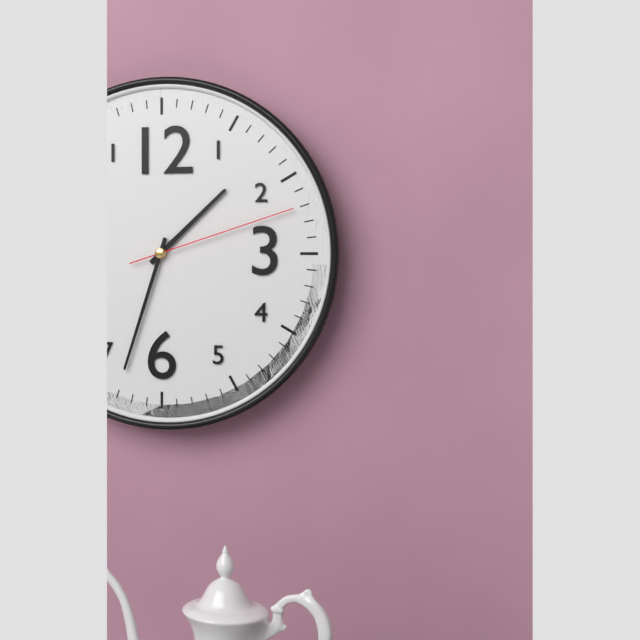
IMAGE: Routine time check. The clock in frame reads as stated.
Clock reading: 1:33:12
